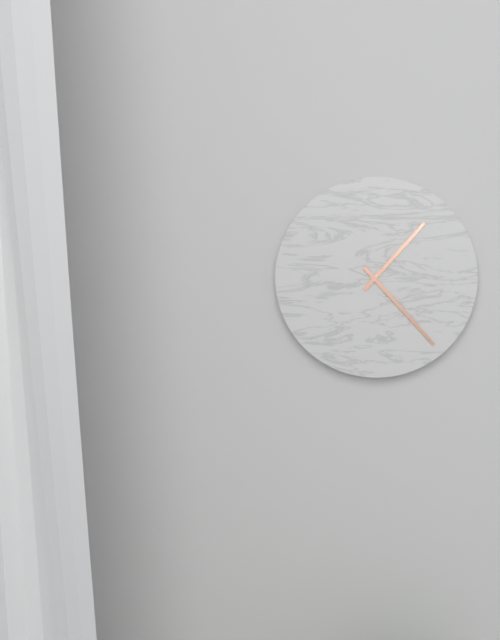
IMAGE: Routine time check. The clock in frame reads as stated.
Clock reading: 1:23
